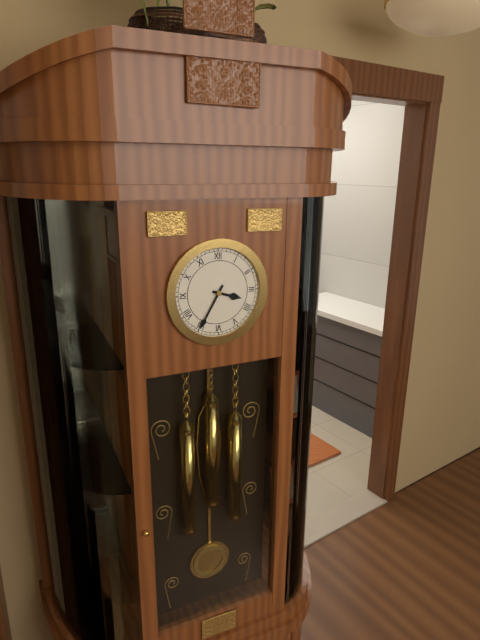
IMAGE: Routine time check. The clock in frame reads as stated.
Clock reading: 3:35
